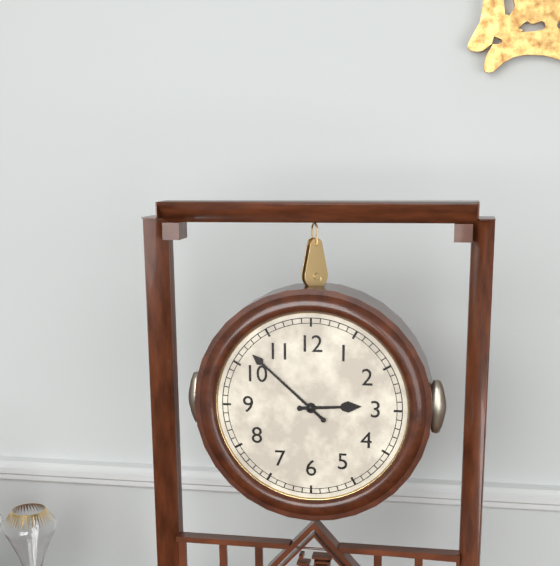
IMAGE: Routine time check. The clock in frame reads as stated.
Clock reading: 2:52
